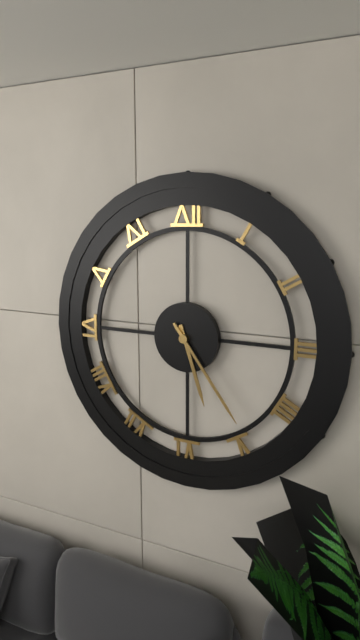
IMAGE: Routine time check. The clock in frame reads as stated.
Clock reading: 5:24
